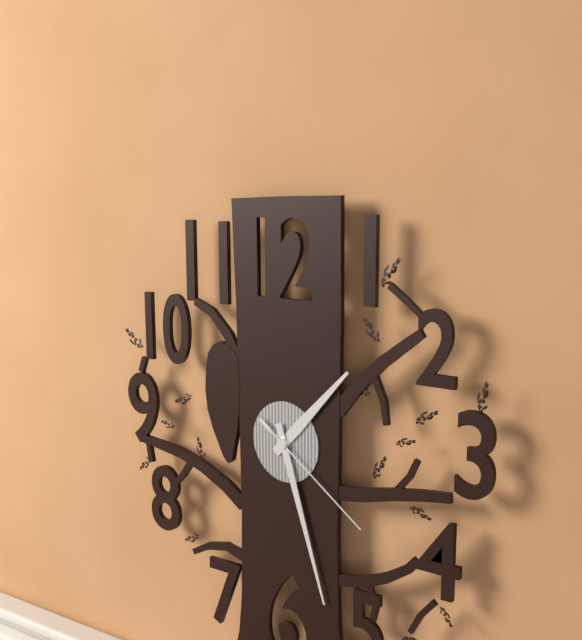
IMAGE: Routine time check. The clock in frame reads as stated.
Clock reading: 1:27:21
